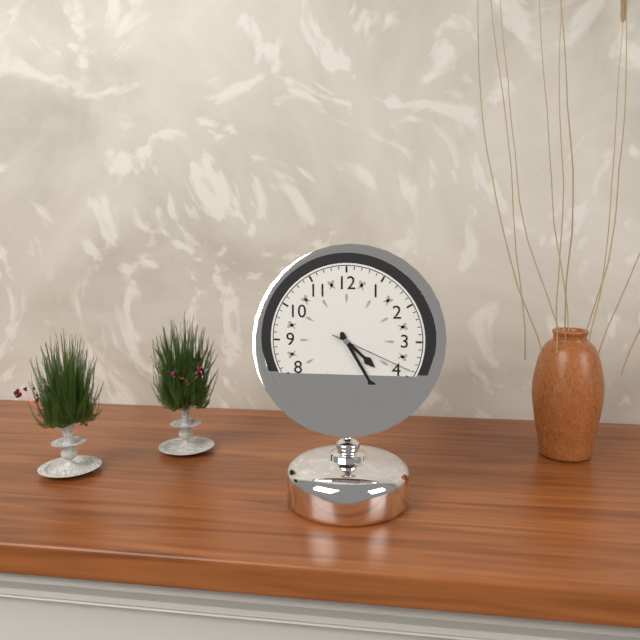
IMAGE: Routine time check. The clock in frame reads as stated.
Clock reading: 4:25:19
